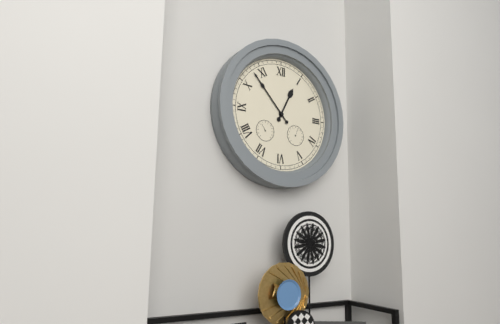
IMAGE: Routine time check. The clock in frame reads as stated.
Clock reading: 12:53
